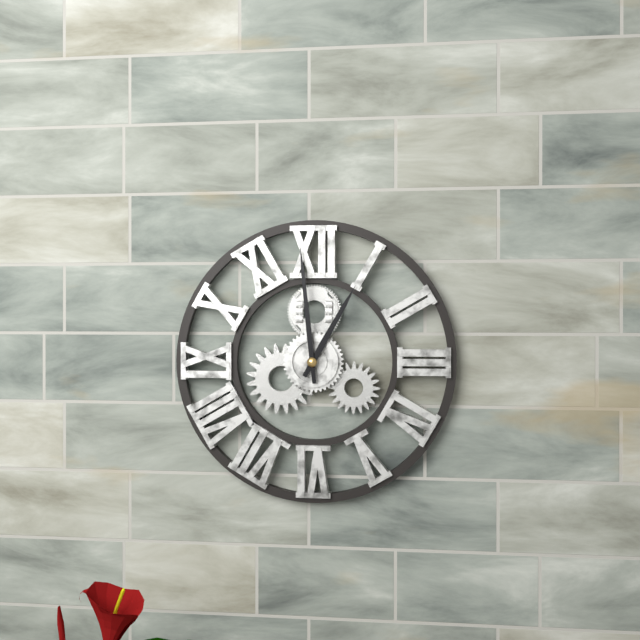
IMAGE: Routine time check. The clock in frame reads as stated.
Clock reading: 12:59
